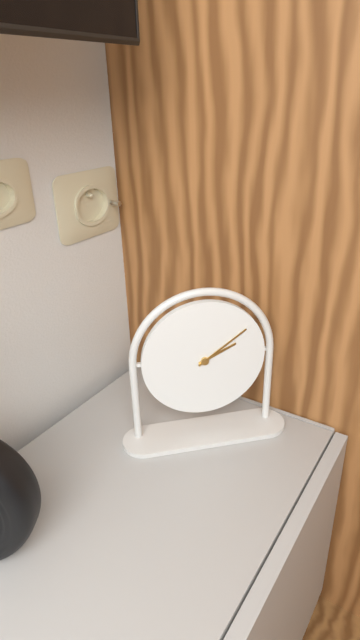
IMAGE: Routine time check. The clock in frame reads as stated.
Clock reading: 2:09
